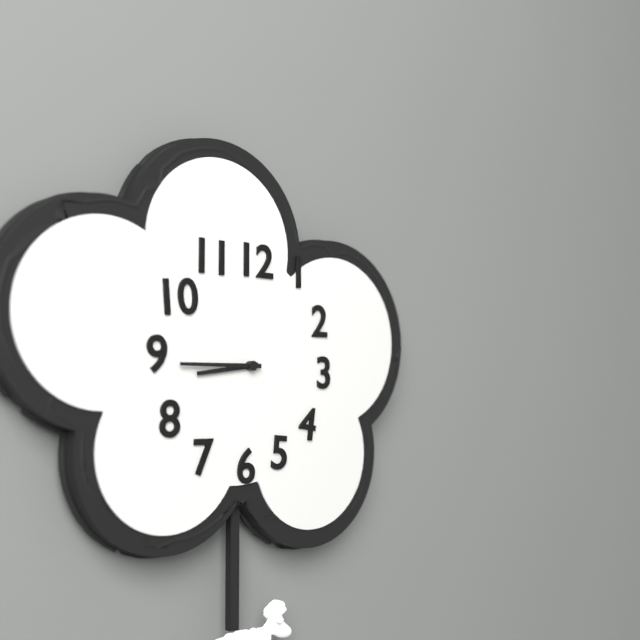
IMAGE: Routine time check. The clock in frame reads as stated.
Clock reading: 8:45
